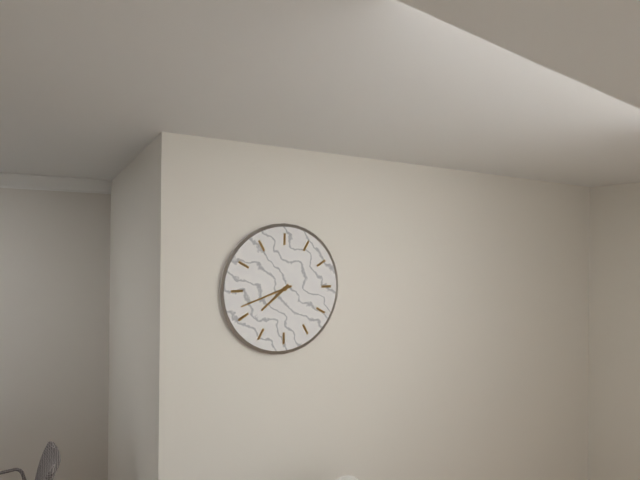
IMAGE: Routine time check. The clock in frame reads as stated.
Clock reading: 7:42
